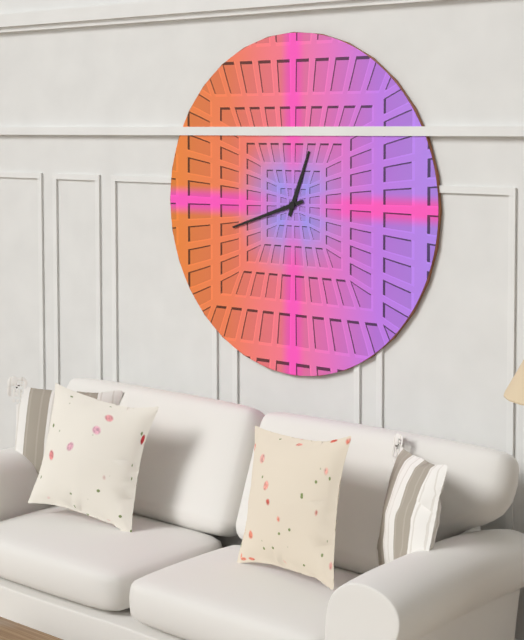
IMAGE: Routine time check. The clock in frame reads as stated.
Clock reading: 12:42
